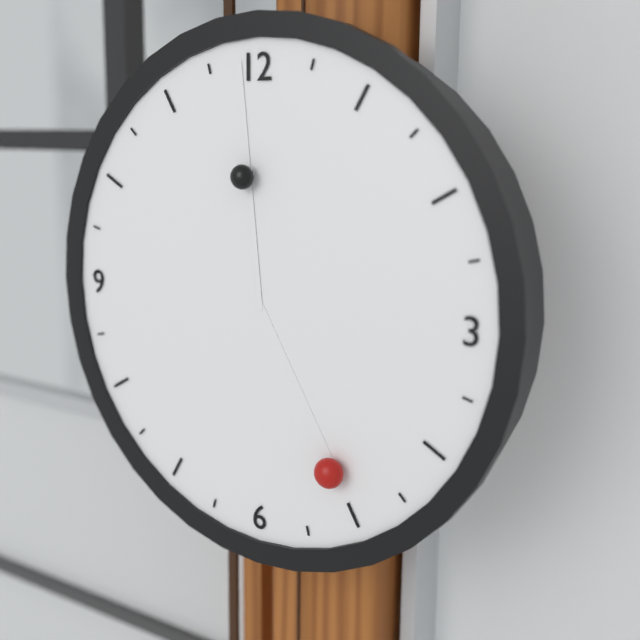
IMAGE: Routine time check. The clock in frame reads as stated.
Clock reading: 4:59
